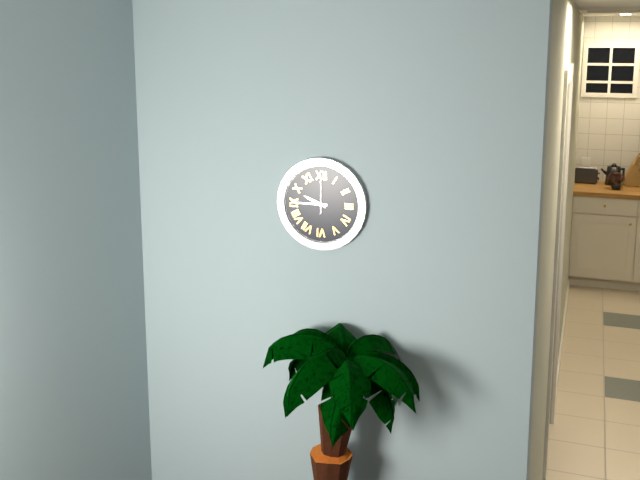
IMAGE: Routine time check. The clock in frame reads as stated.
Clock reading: 9:45
